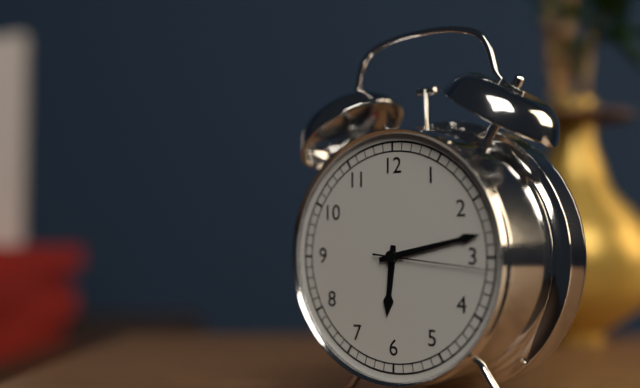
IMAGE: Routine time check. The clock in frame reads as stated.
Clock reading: 6:13:16
